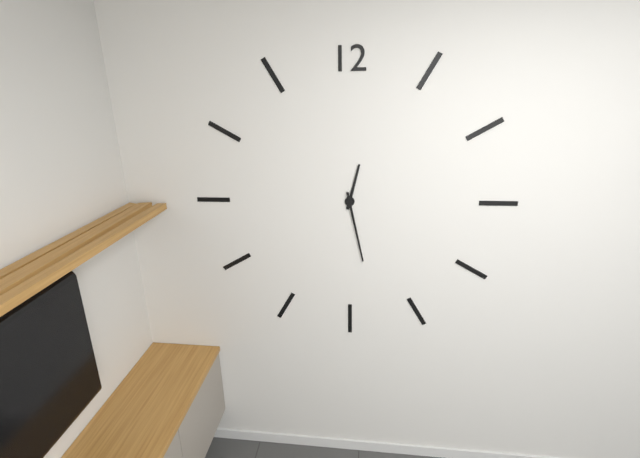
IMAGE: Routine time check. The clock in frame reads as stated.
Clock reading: 12:28
